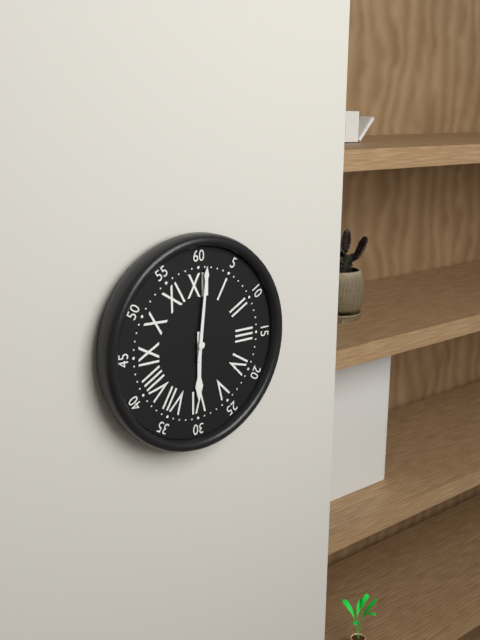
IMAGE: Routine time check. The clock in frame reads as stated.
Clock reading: 6:01
